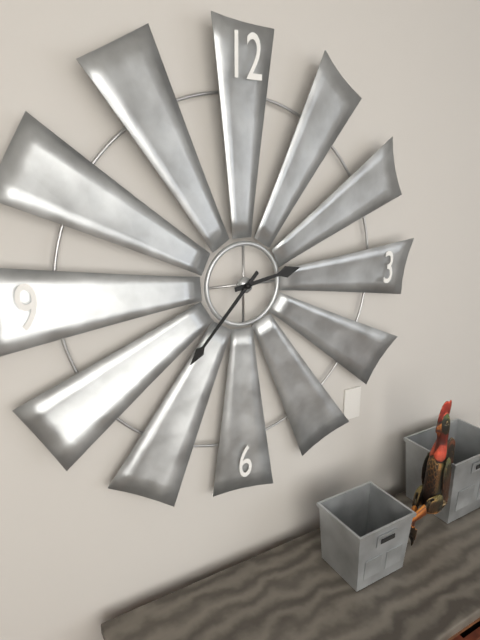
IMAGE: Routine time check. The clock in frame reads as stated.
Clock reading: 2:37
